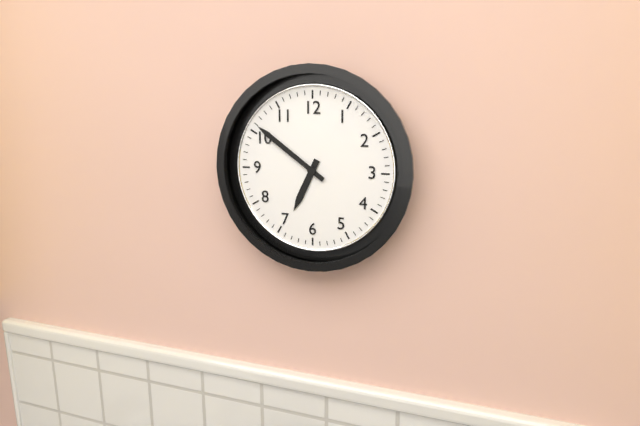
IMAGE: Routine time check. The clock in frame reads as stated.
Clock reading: 6:51
